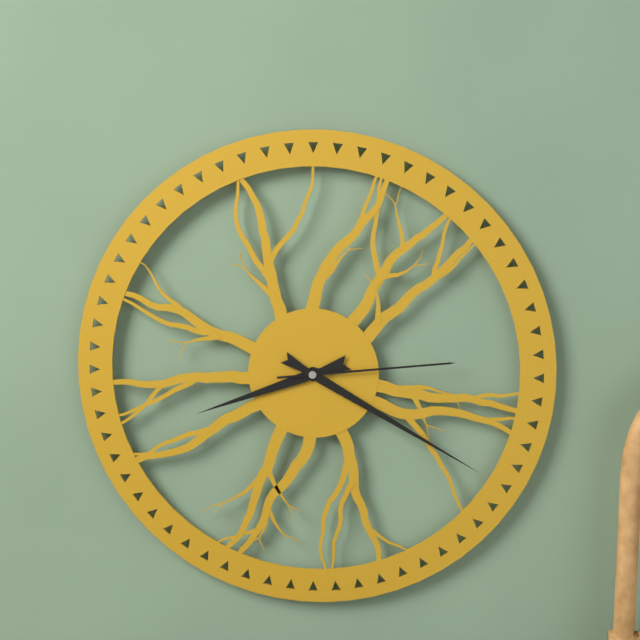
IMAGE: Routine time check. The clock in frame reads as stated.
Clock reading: 8:20:14
